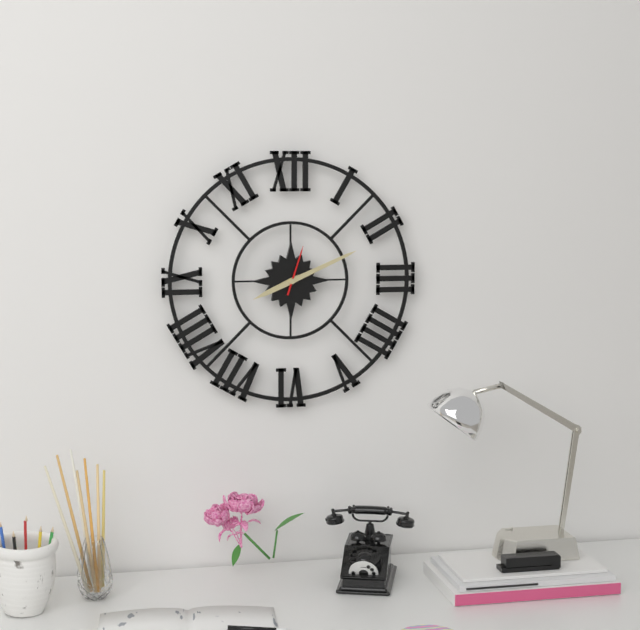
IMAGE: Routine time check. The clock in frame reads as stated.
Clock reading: 8:11
